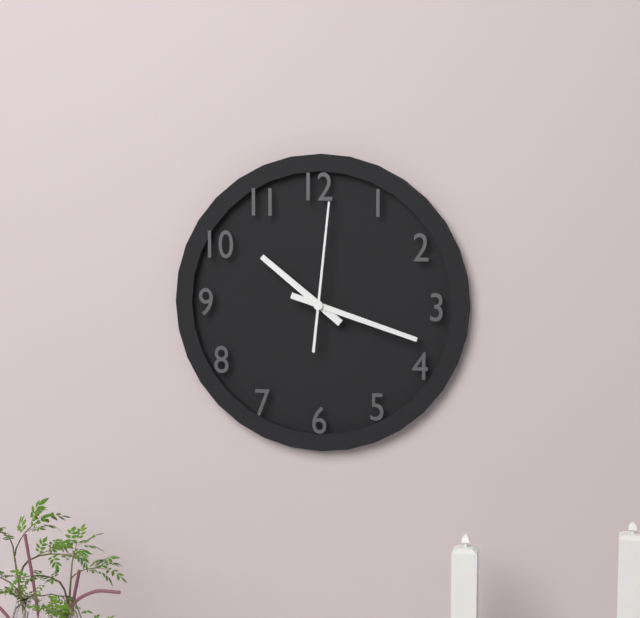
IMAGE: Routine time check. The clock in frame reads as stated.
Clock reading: 10:18:01
